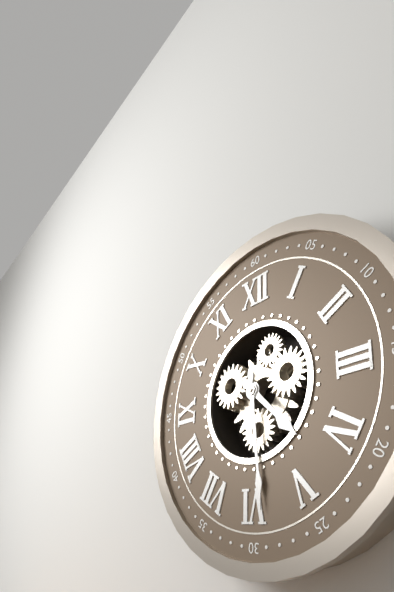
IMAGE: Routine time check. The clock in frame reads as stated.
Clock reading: 4:29
